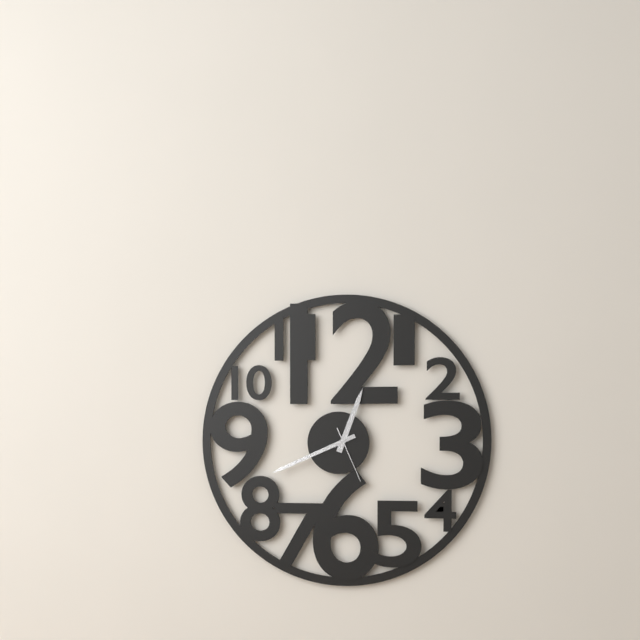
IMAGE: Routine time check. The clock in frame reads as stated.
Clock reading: 12:41:26
